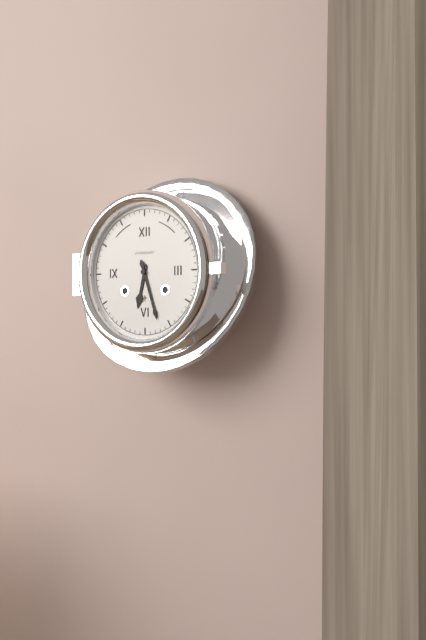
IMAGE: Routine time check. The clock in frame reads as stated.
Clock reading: 6:27
